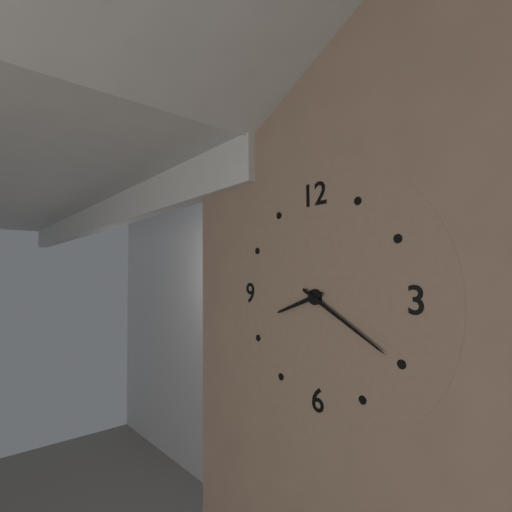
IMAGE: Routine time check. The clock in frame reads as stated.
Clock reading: 8:20
